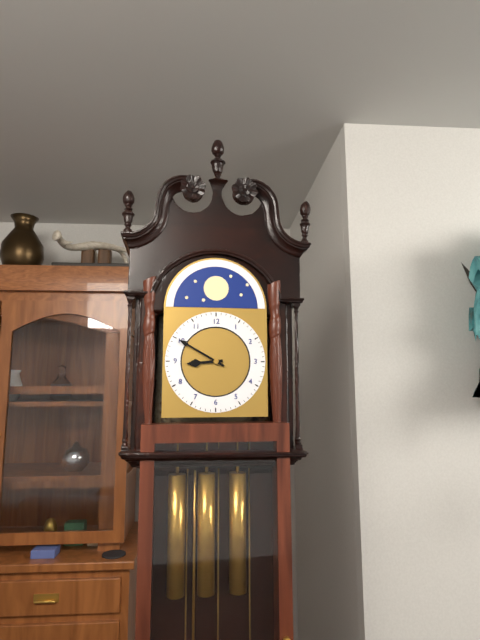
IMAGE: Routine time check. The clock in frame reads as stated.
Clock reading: 8:50
